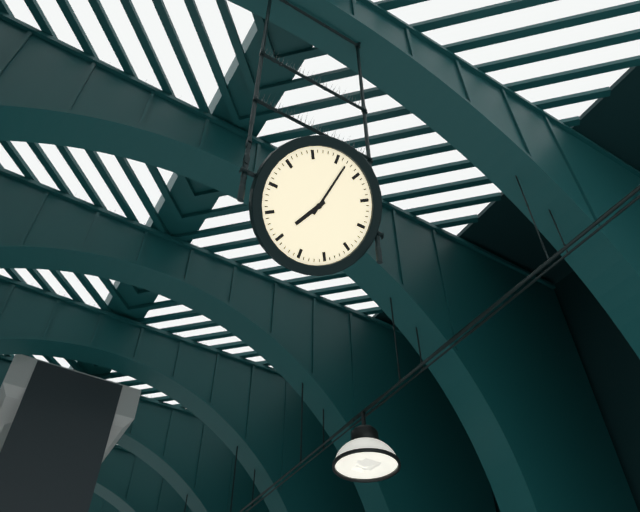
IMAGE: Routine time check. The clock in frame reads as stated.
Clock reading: 7:02
